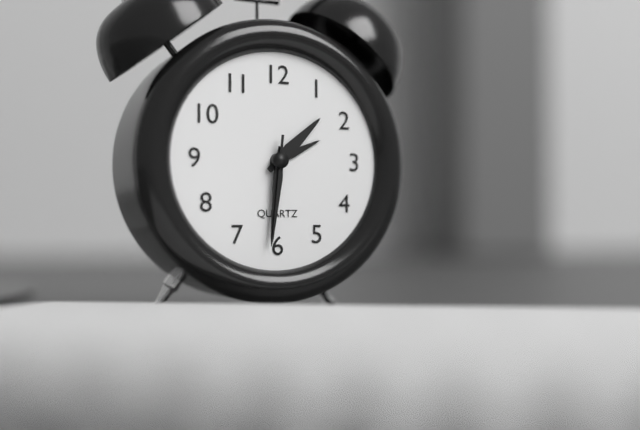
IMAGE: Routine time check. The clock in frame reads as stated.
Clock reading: 1:31:31
